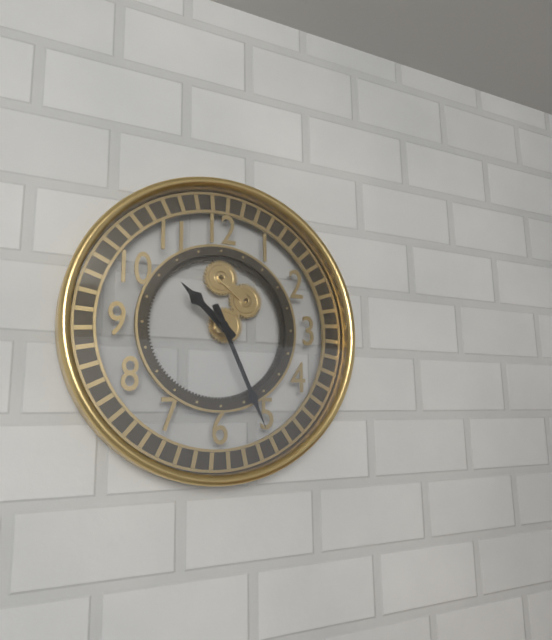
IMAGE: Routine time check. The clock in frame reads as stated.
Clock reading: 10:26
